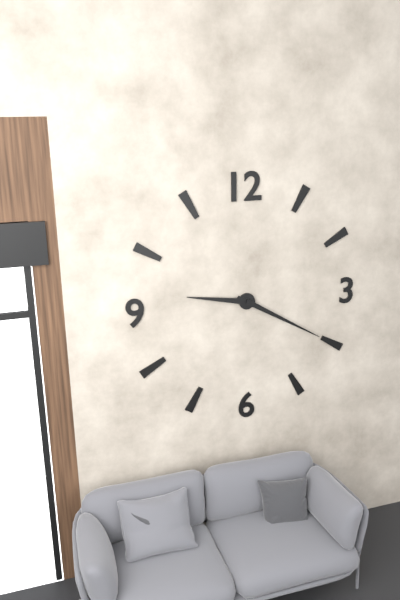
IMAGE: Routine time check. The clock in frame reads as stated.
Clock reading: 9:20
